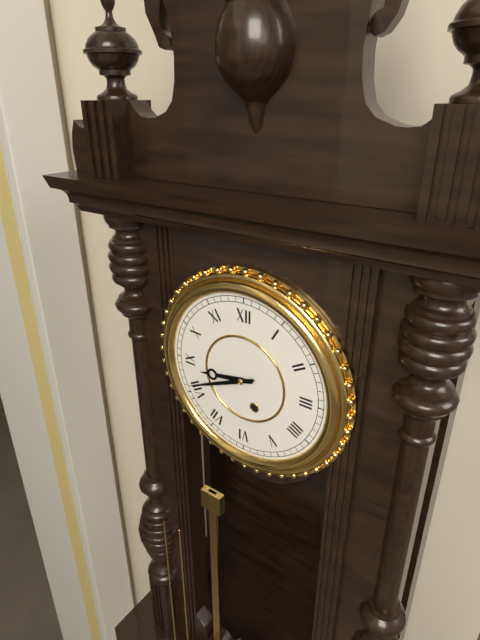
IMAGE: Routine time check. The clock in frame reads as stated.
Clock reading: 8:41
